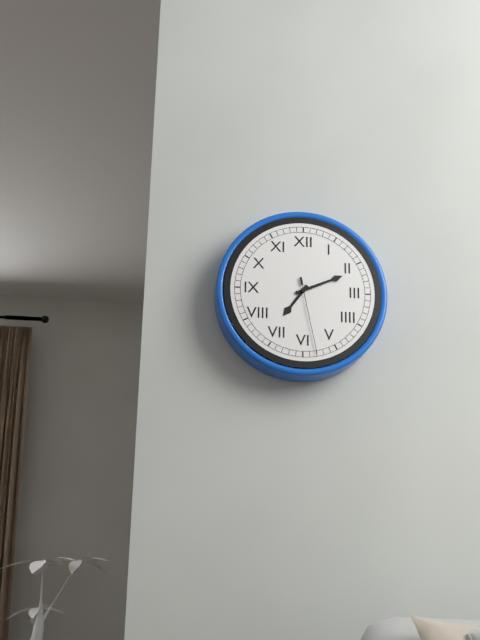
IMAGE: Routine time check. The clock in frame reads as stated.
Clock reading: 7:11:28
